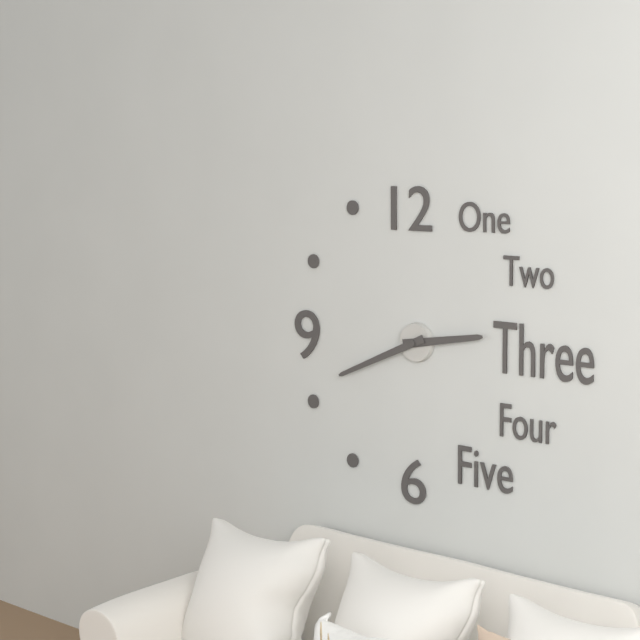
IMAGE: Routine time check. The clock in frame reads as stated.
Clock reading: 2:41
